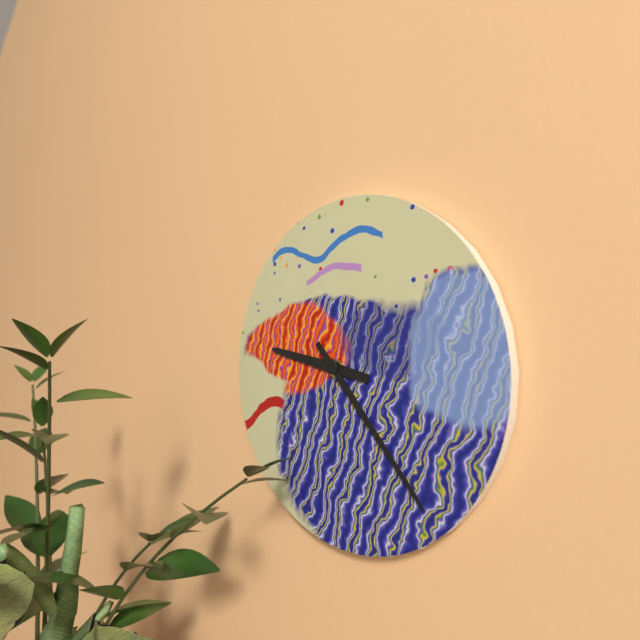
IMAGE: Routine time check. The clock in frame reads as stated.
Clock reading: 9:23
